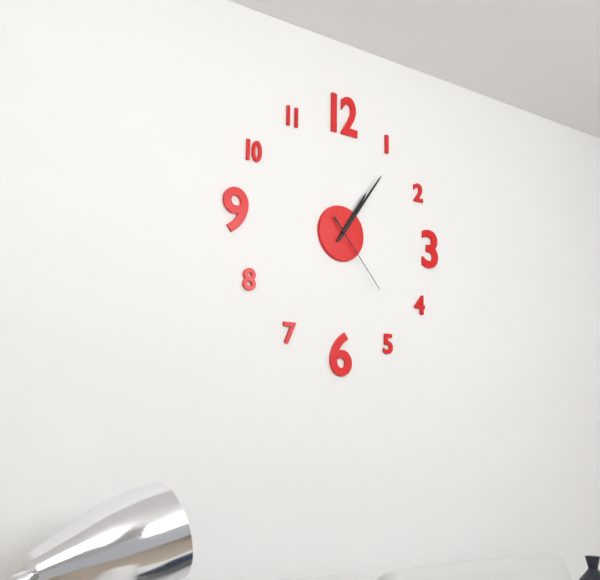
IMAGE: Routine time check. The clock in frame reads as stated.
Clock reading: 1:06:23
